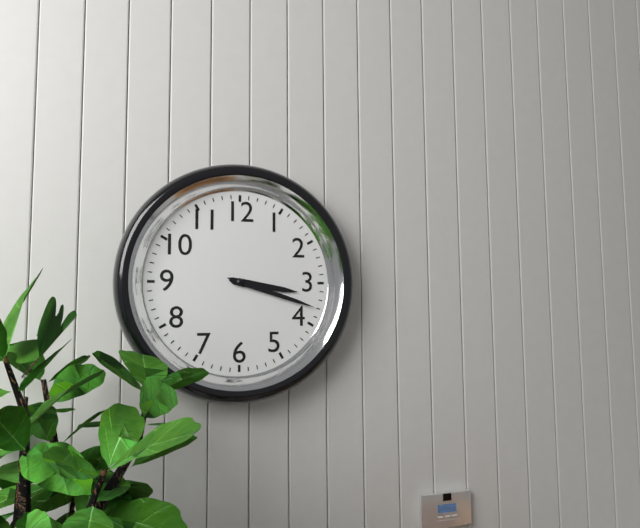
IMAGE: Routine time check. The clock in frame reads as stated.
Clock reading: 3:18
